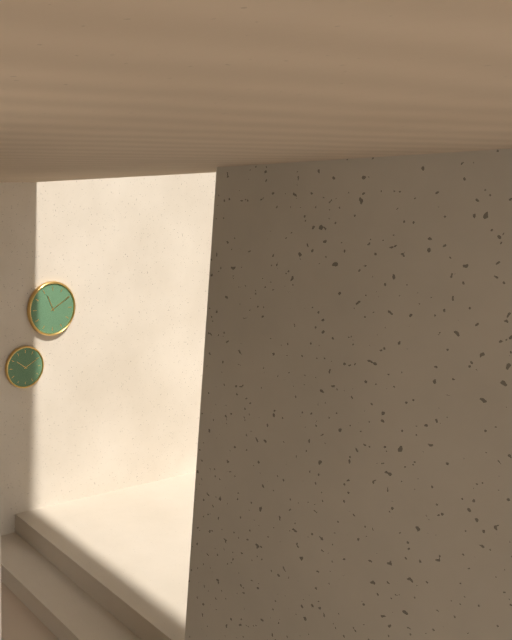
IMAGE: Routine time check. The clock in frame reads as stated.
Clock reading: 11:10
